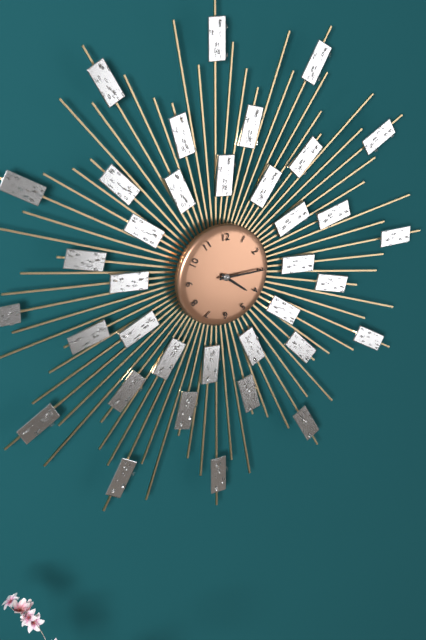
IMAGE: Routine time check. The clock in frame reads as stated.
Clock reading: 4:15
